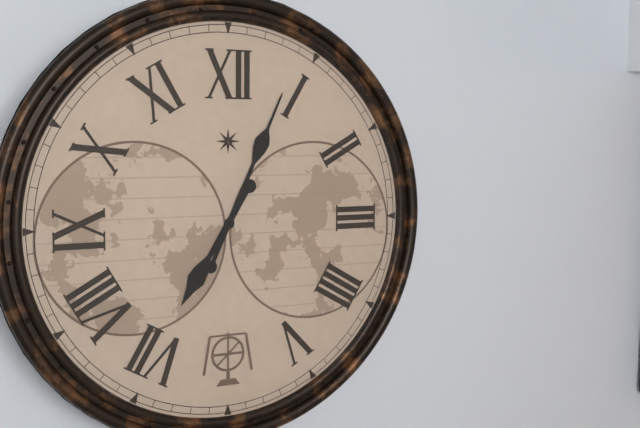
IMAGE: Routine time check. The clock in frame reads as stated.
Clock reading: 7:04
